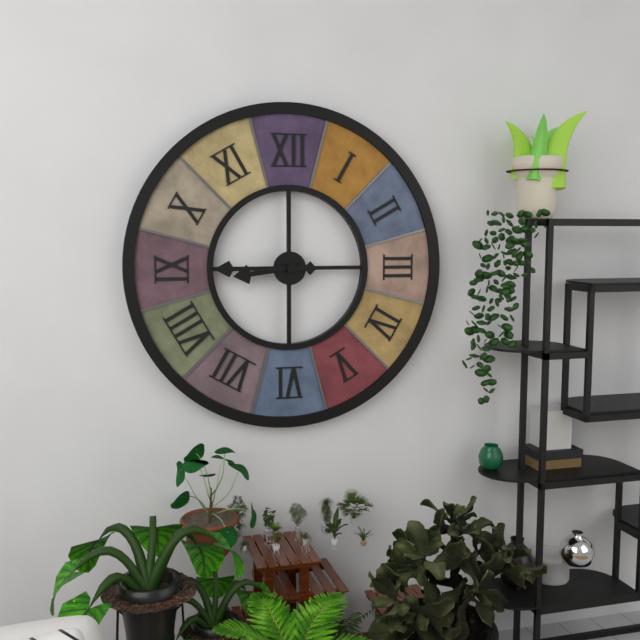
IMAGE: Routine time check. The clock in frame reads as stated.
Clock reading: 8:45
